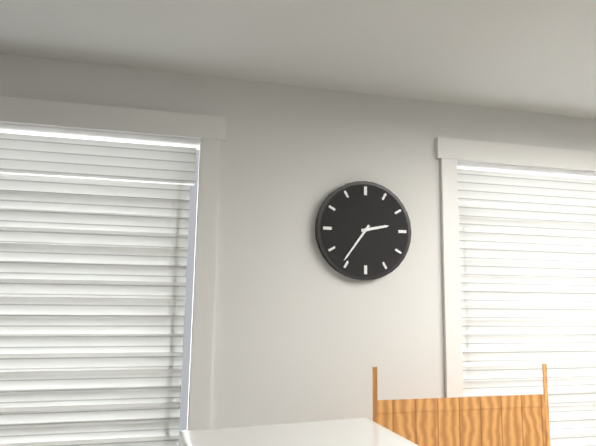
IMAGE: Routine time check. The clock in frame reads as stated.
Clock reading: 2:36
